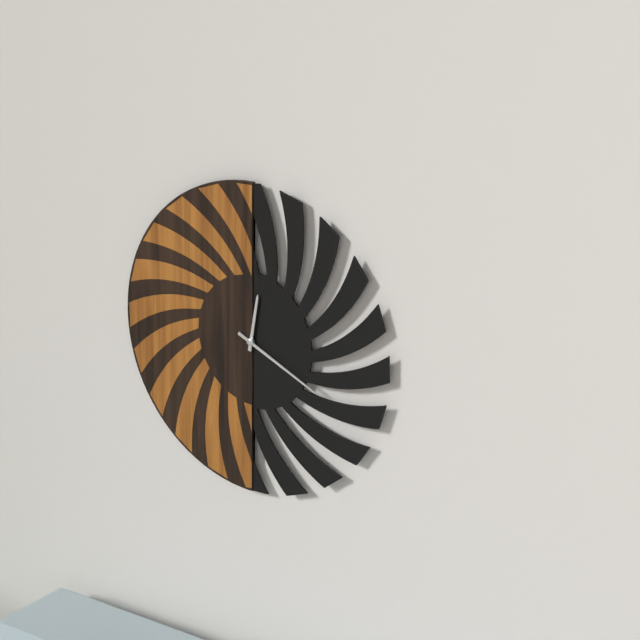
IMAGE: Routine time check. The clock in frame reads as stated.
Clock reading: 12:19
